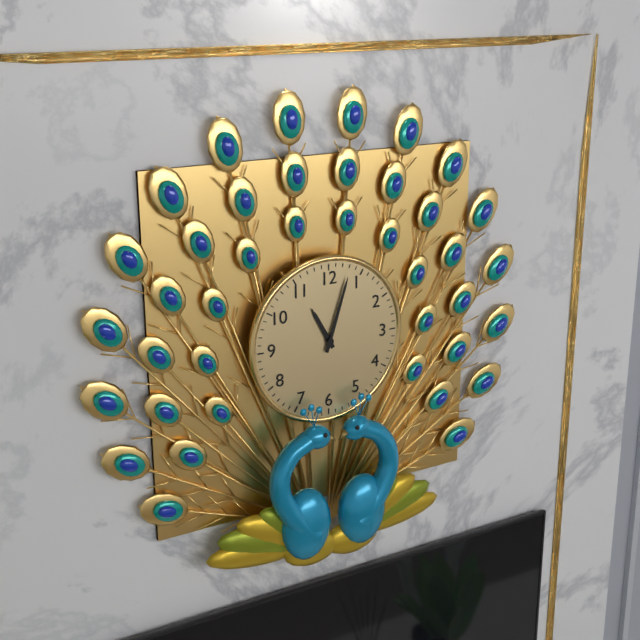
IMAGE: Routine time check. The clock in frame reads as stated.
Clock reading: 11:03
